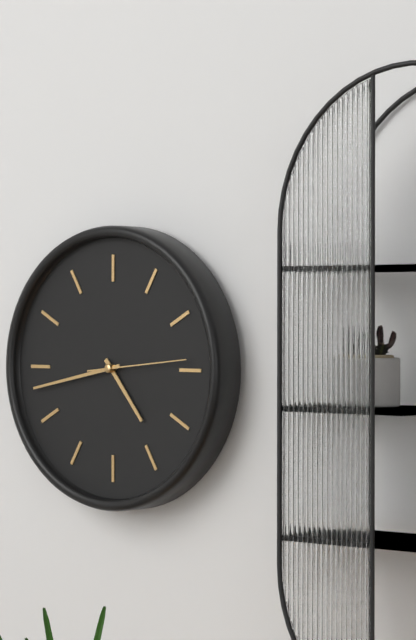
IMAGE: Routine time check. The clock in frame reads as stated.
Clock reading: 4:43:14
